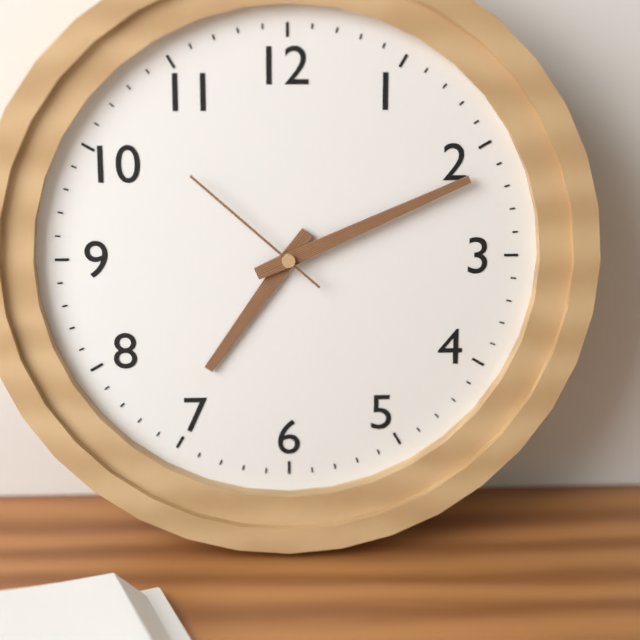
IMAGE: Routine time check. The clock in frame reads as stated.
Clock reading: 7:11:52
